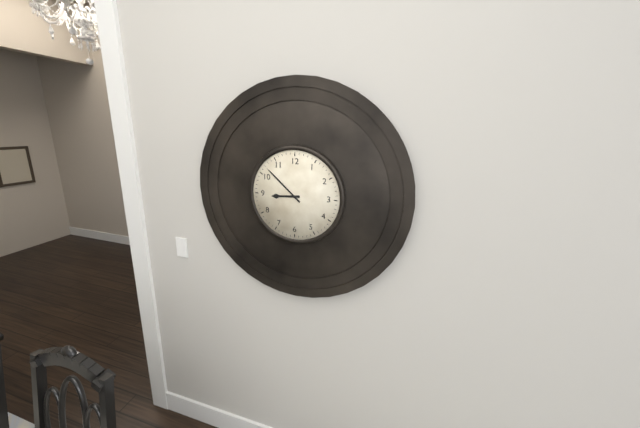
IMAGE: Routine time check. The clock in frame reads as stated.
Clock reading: 8:52
